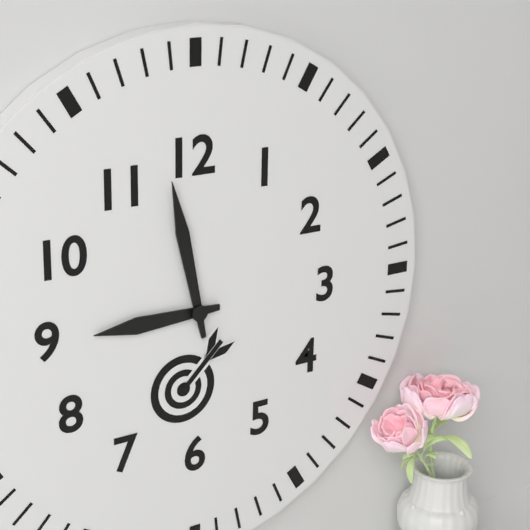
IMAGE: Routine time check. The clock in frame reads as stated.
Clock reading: 8:58
